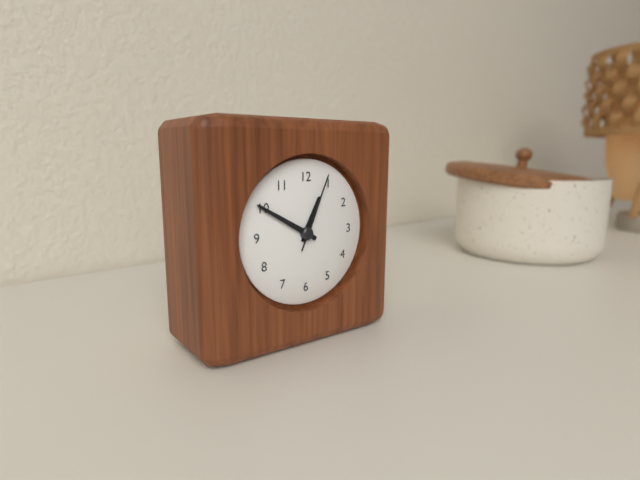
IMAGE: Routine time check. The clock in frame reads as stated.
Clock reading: 12:50:04
